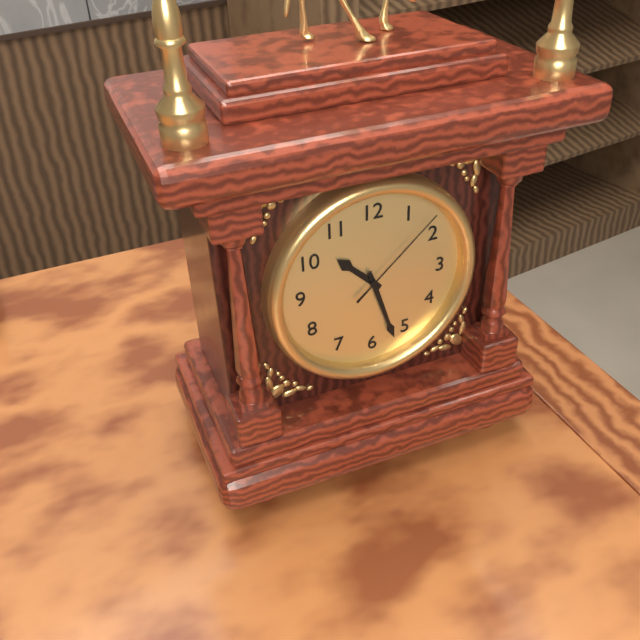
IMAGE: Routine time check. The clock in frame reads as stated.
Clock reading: 10:27:08
